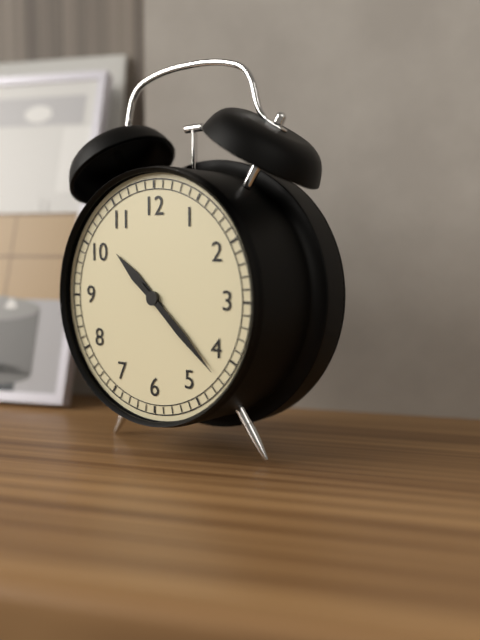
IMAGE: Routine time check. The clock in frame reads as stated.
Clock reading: 10:22
